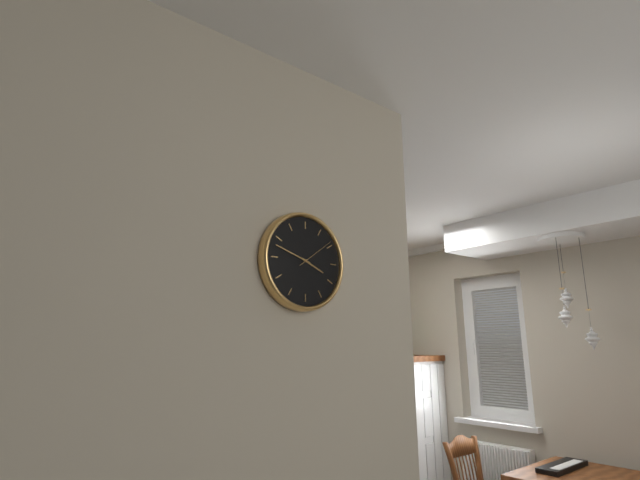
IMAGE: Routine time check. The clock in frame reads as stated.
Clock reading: 3:48
